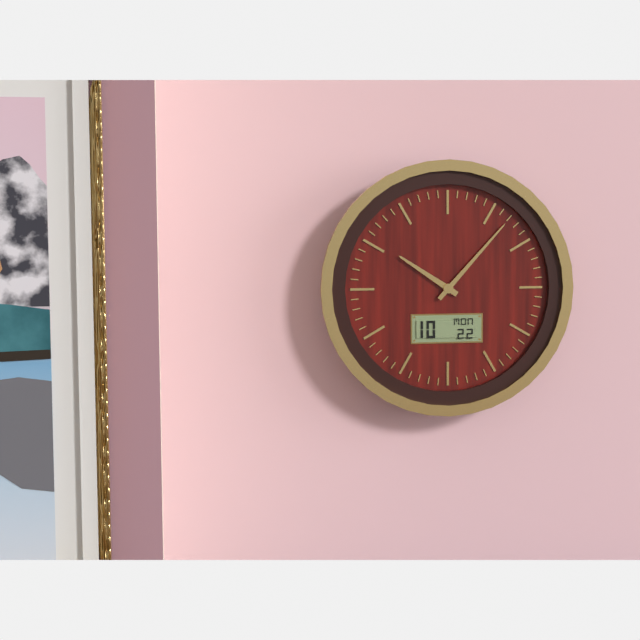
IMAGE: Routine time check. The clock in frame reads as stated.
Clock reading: 10:07
